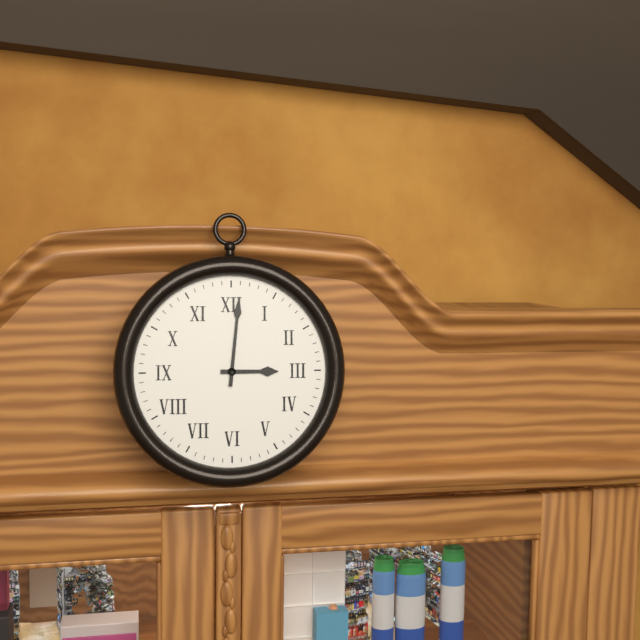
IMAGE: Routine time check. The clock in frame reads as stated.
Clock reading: 3:01
